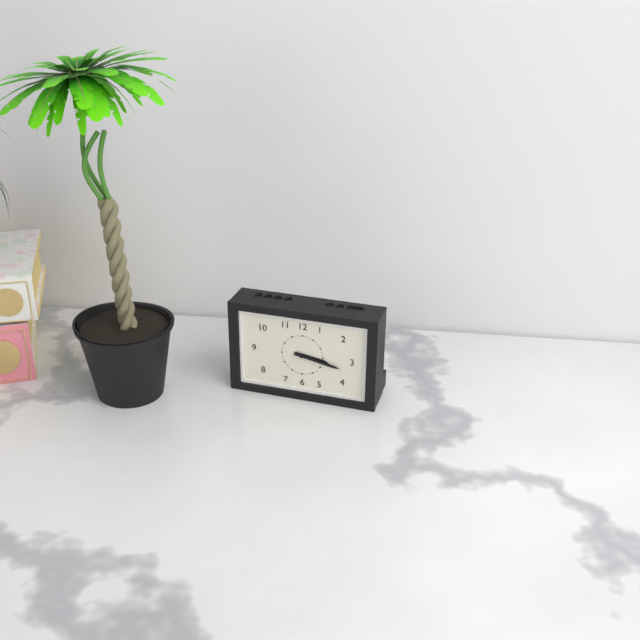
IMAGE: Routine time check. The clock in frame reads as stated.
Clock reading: 3:17
